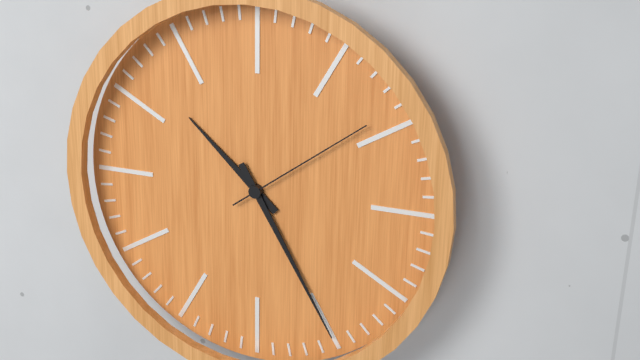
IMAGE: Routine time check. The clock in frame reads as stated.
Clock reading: 10:25:09
